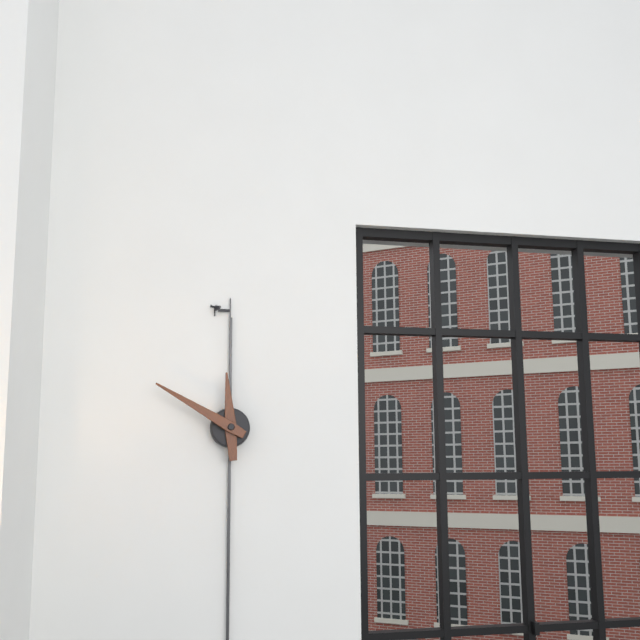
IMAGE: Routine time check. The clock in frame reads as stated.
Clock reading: 11:50
